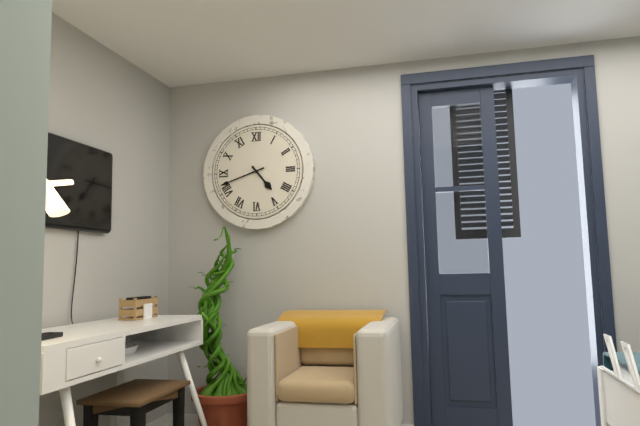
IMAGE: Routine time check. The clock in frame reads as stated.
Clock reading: 4:42
